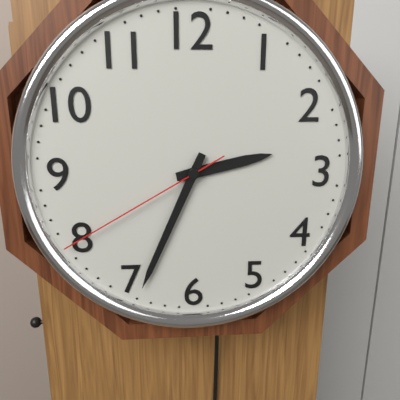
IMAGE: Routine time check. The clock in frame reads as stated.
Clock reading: 2:34:40
